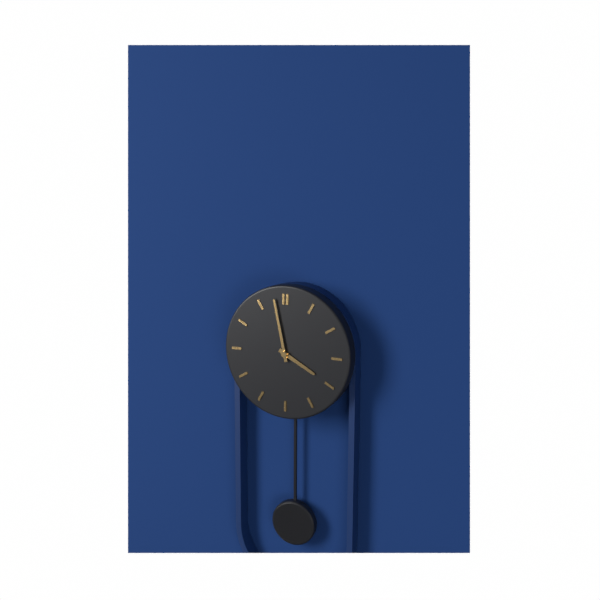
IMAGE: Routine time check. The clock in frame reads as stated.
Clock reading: 3:58
